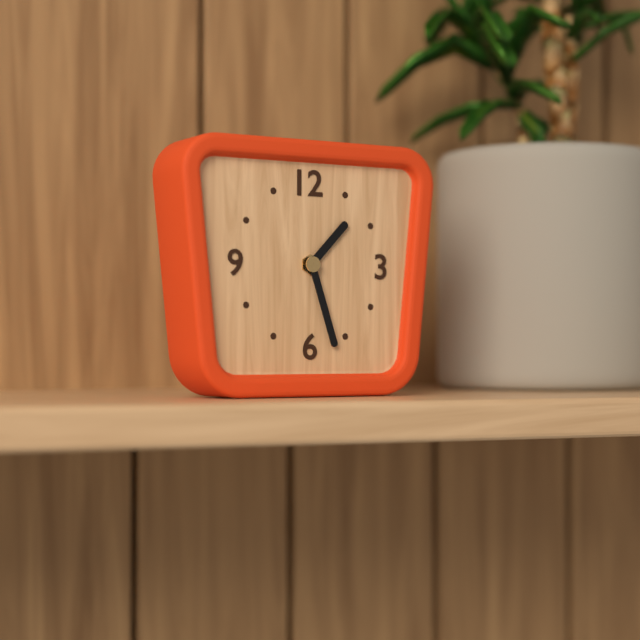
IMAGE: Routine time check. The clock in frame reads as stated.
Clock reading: 1:27
